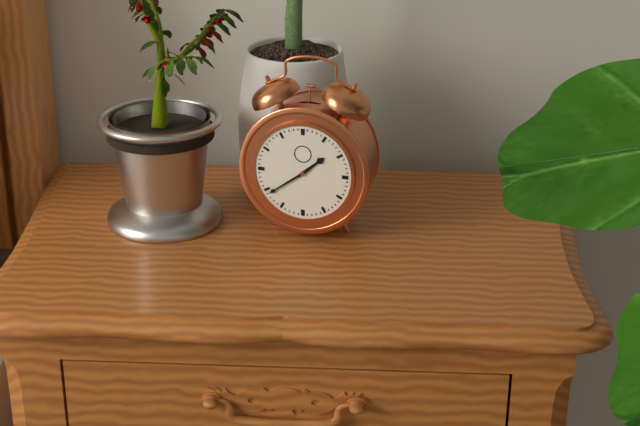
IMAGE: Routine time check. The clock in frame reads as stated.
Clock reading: 1:39
